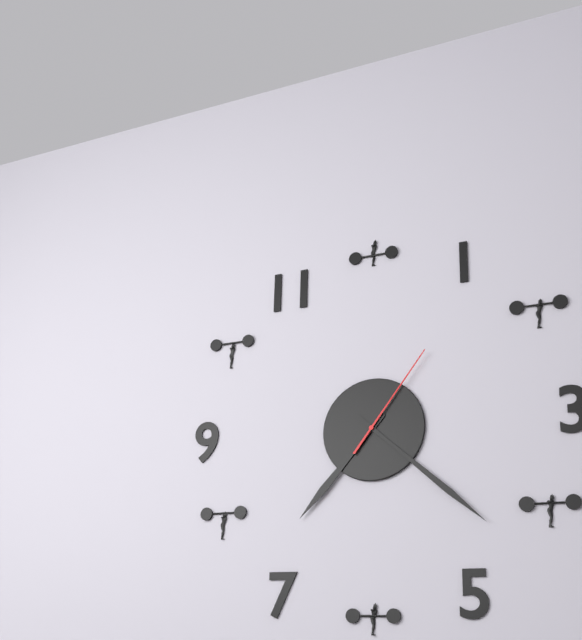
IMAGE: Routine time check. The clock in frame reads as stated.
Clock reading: 7:22:06
